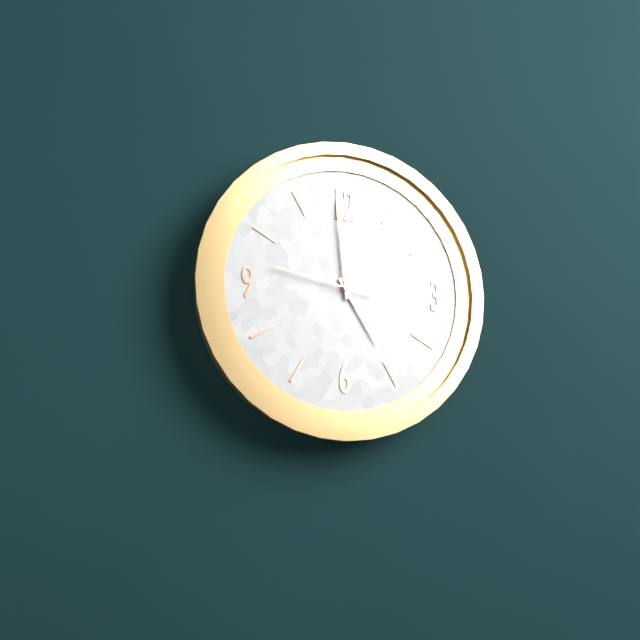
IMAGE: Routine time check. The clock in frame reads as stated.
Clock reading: 4:59:47
